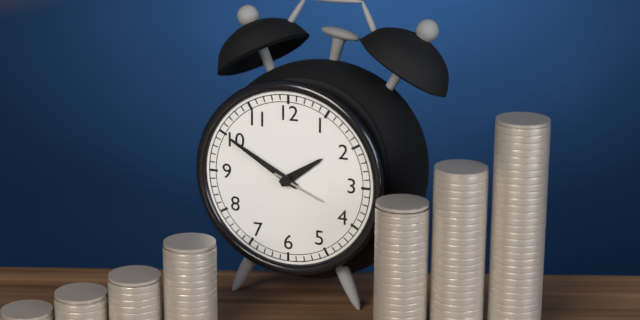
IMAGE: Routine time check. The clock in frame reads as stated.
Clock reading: 1:50:19
